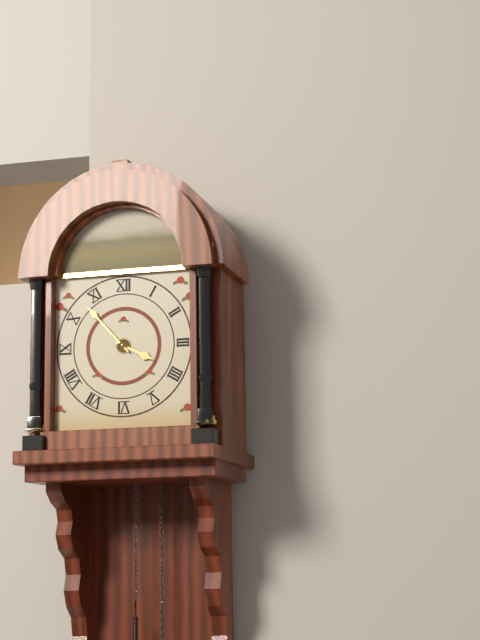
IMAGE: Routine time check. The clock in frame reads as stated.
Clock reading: 3:53
